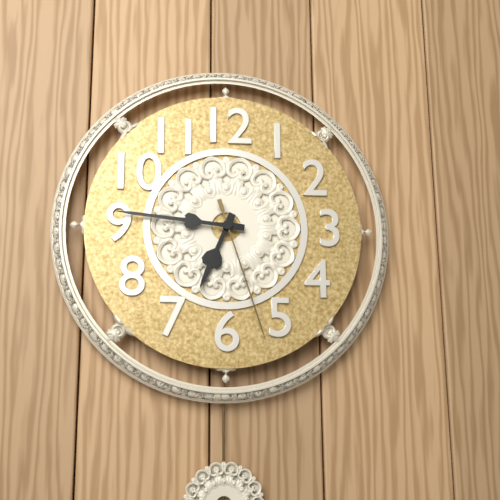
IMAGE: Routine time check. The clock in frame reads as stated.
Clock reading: 6:46:27
